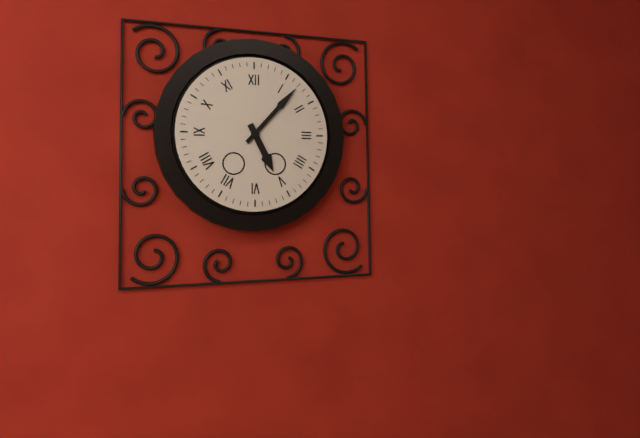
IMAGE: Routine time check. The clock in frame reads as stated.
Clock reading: 5:07
